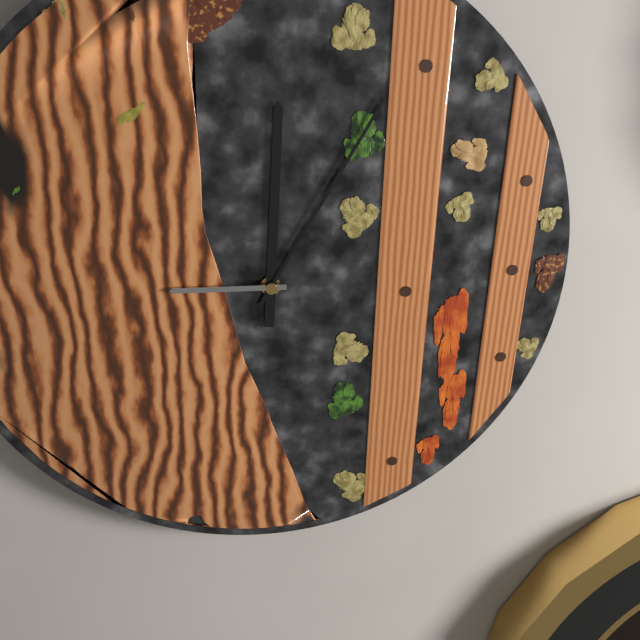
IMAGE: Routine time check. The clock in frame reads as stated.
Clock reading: 12:05:45
